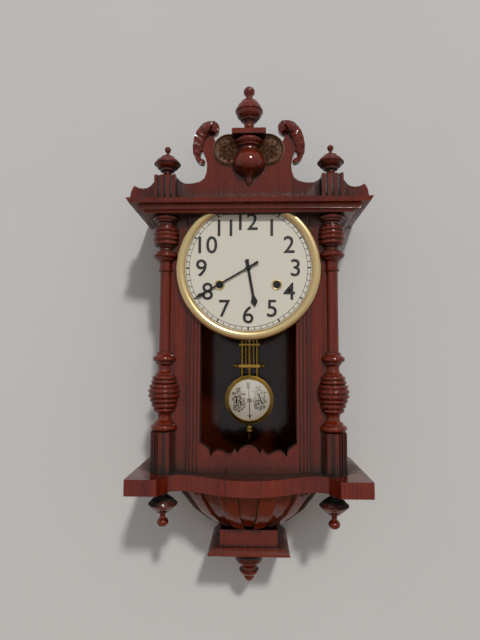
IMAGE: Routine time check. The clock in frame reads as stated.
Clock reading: 5:40
